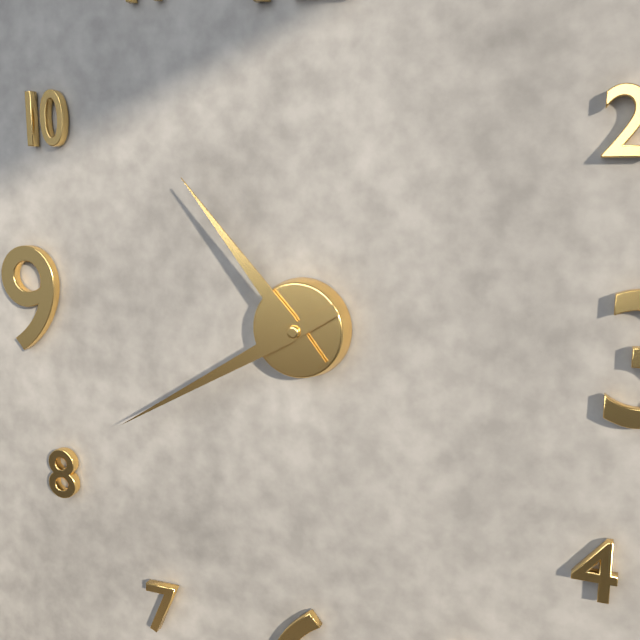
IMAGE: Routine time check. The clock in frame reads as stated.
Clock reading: 10:40
